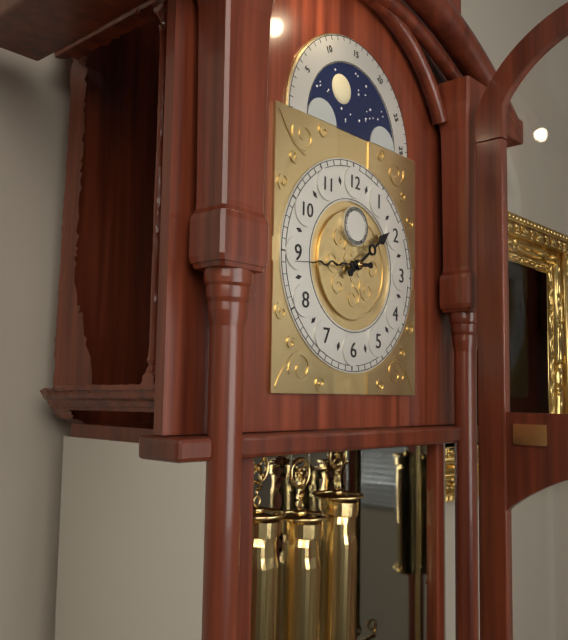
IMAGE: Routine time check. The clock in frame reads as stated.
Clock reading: 1:44
